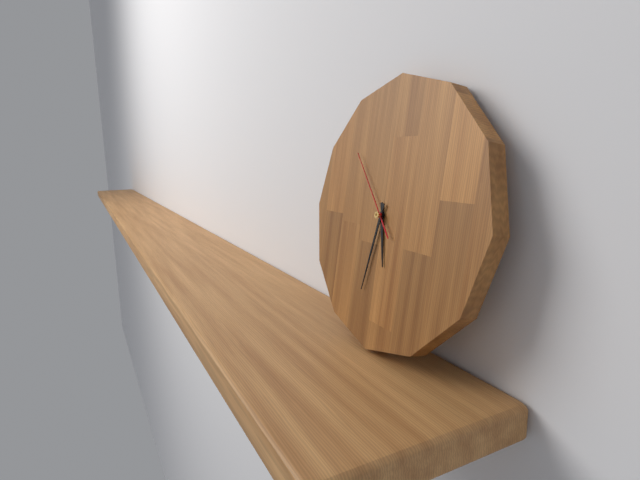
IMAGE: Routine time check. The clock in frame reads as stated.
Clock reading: 5:32:53
